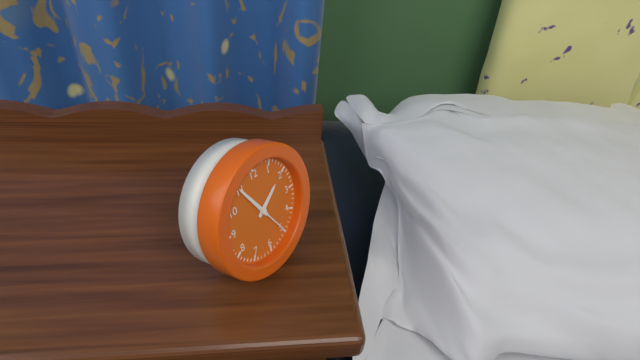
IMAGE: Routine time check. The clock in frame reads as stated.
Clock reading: 1:55
